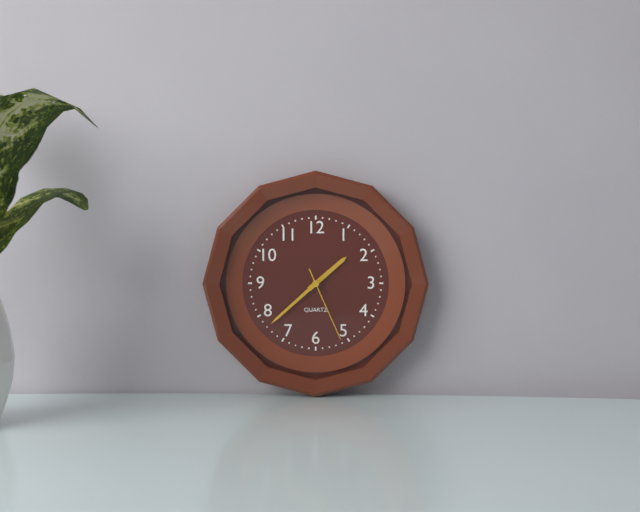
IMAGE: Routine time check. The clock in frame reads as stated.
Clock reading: 1:38:26
